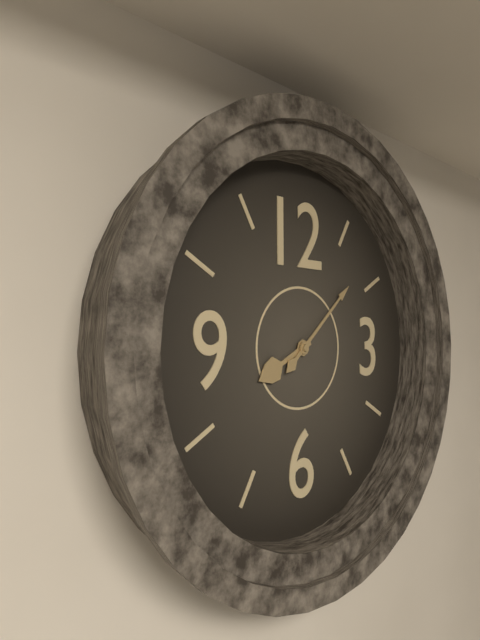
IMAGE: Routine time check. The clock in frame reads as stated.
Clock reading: 8:08
